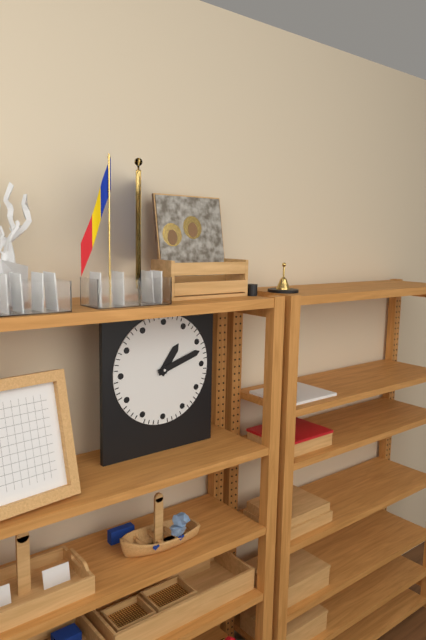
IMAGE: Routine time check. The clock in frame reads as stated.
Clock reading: 1:12
